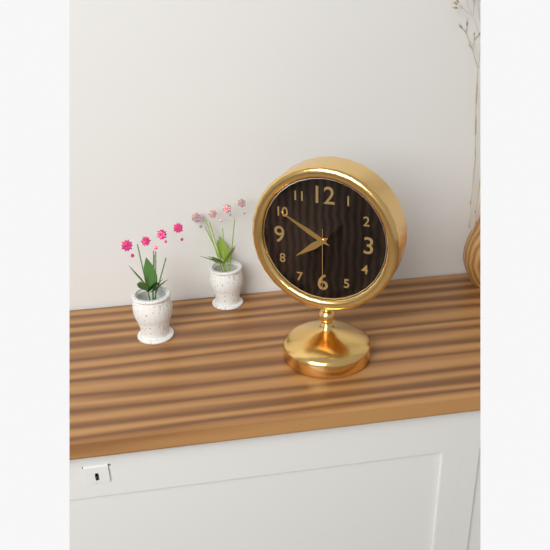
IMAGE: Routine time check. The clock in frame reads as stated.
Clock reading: 7:50:30
